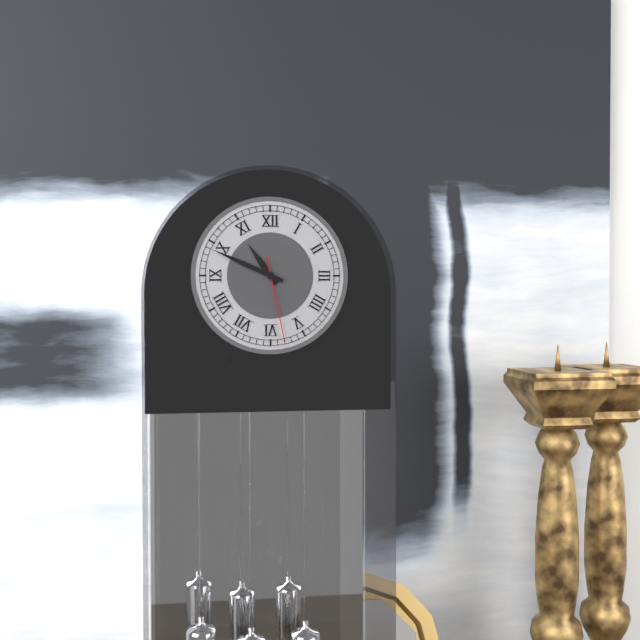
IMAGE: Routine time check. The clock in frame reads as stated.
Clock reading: 10:49:28
